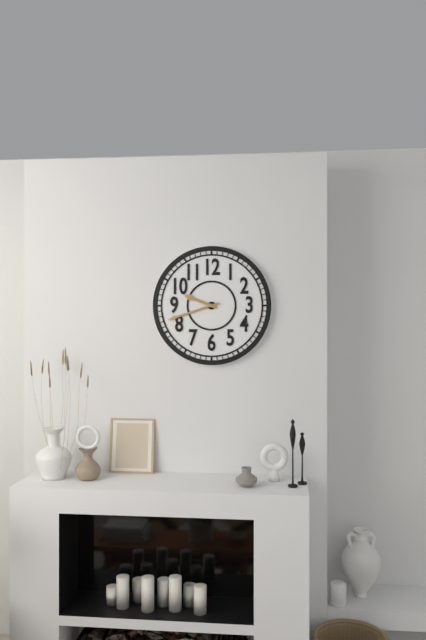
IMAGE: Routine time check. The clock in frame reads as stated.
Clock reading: 9:42
